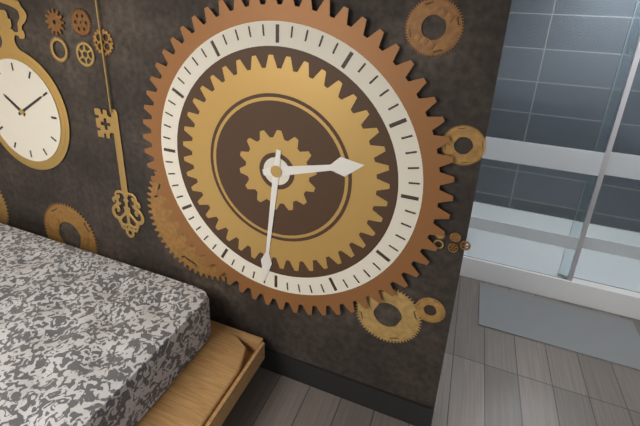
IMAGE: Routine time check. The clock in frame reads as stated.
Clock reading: 2:31
